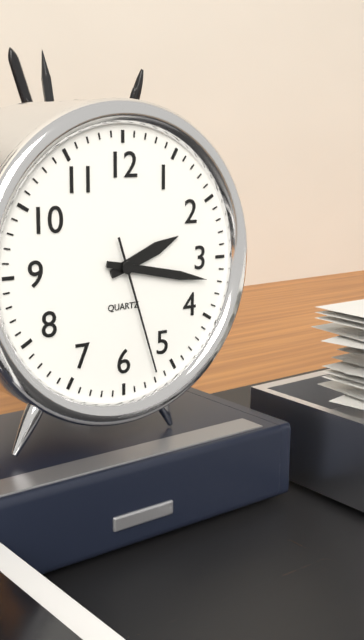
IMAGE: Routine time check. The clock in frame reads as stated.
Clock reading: 2:17:27
